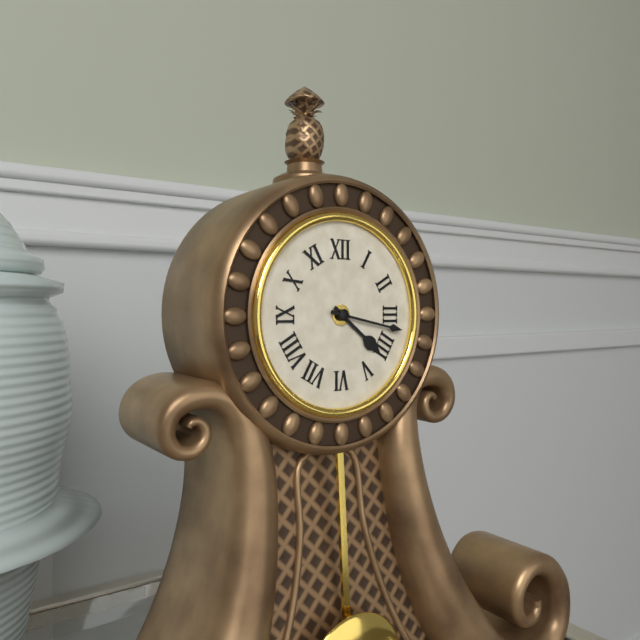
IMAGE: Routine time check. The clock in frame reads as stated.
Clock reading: 4:17
